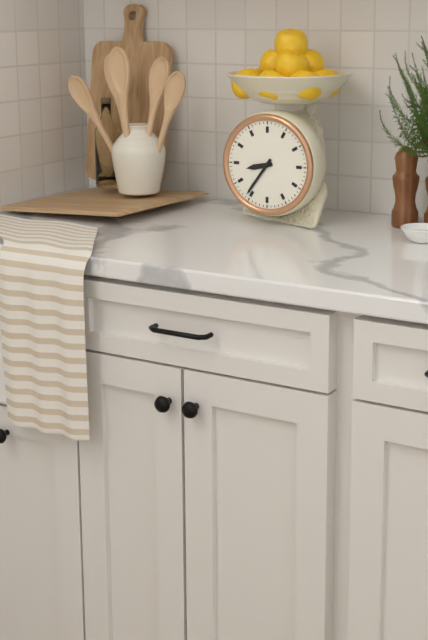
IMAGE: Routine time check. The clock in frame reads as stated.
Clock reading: 8:36
